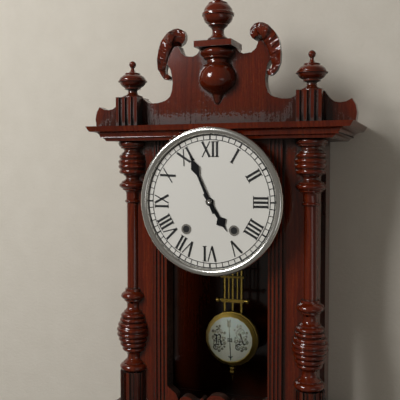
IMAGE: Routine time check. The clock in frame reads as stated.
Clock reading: 4:56
